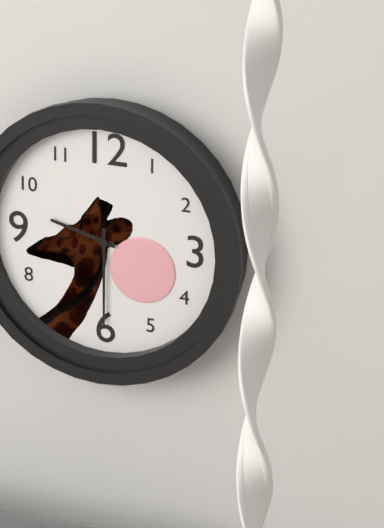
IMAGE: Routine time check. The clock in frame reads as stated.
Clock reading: 9:30
